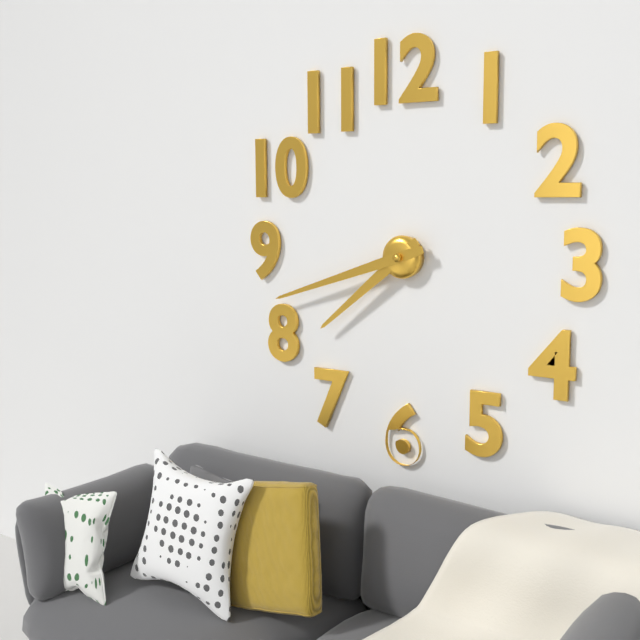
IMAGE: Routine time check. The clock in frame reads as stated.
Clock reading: 7:42
